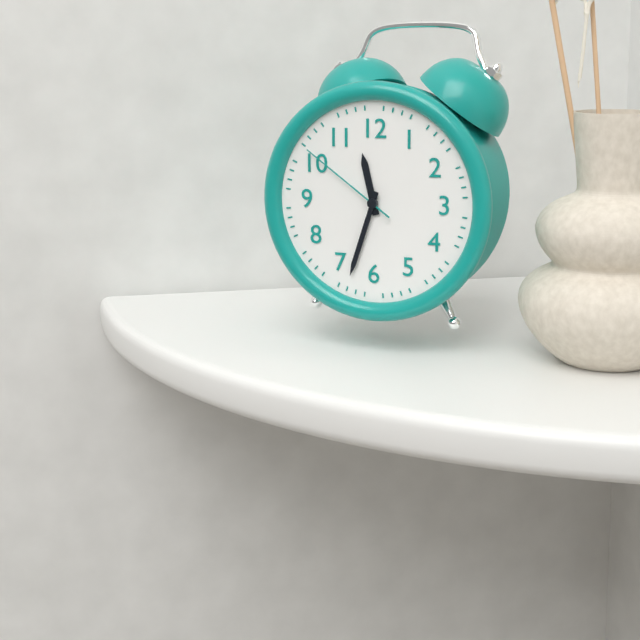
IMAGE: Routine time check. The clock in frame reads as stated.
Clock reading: 11:33:51
